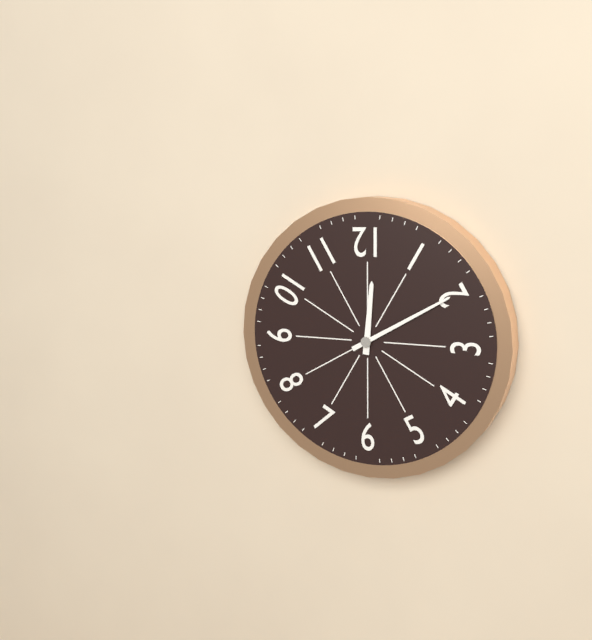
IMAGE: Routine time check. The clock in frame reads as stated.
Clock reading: 12:10
